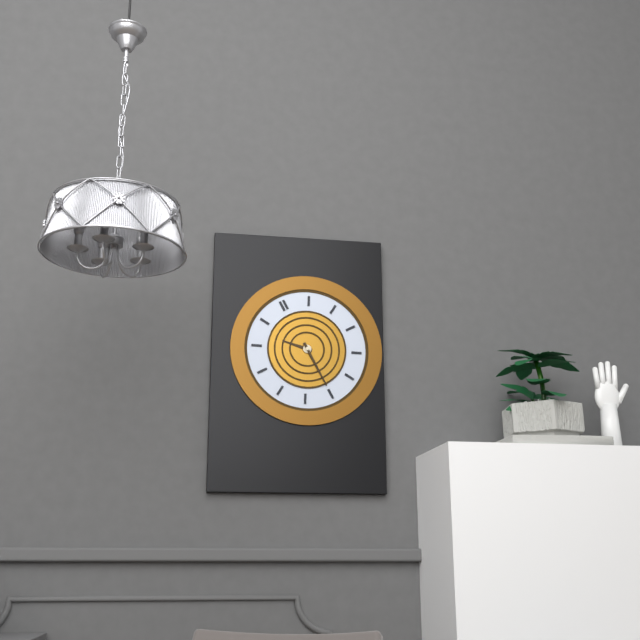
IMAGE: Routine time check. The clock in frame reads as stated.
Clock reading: 10:30
